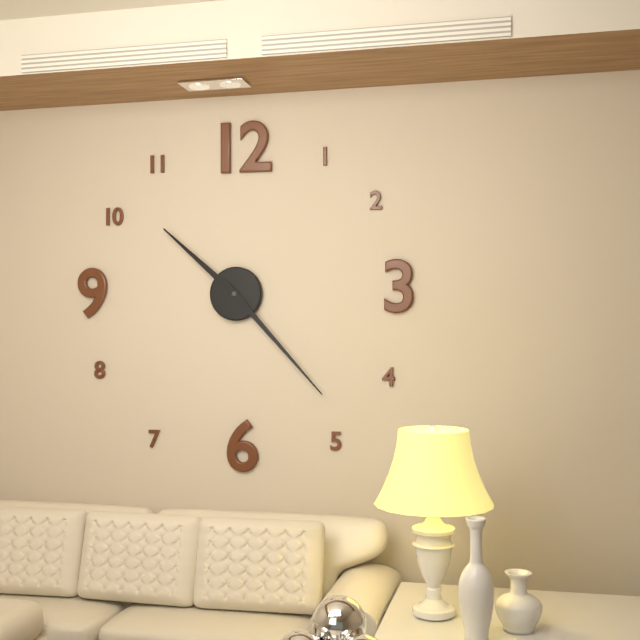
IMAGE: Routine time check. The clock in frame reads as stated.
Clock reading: 10:23
